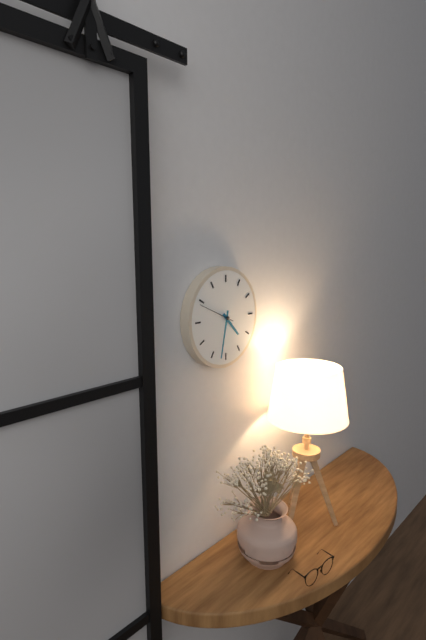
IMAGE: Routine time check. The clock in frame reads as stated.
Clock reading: 4:32
